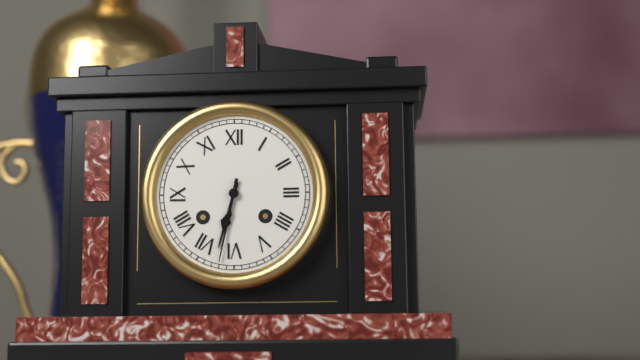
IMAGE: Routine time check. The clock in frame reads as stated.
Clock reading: 6:32
